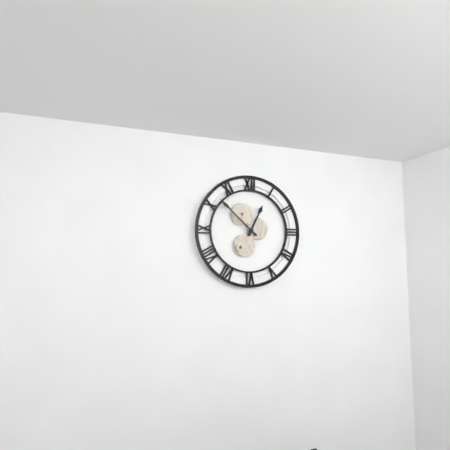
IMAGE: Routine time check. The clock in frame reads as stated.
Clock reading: 12:52
